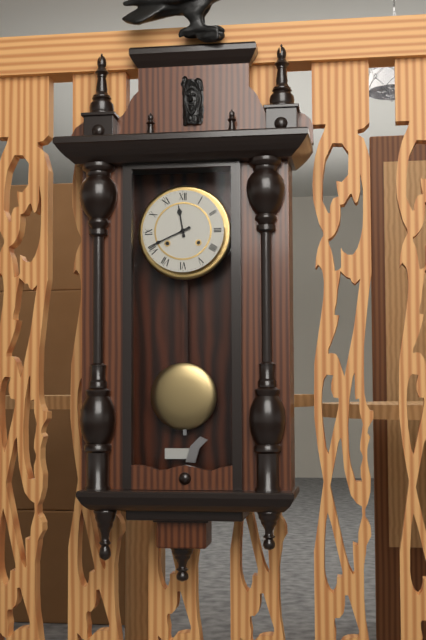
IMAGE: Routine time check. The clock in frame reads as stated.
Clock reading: 11:41
